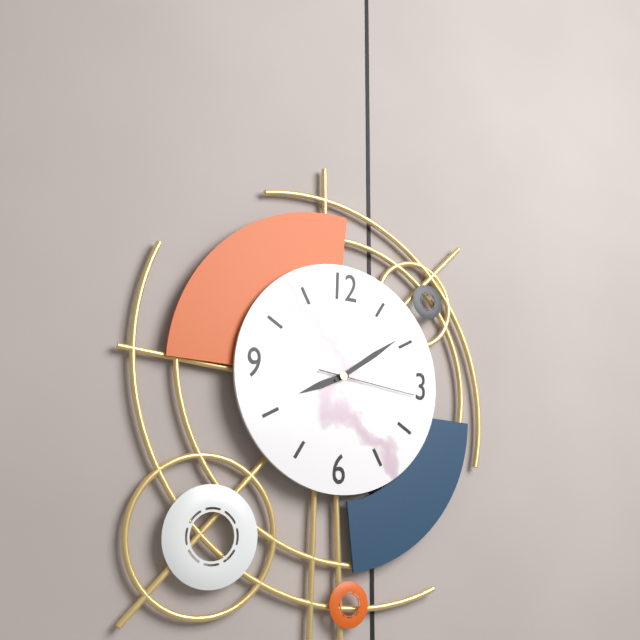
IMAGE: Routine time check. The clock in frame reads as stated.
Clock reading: 8:09:16
